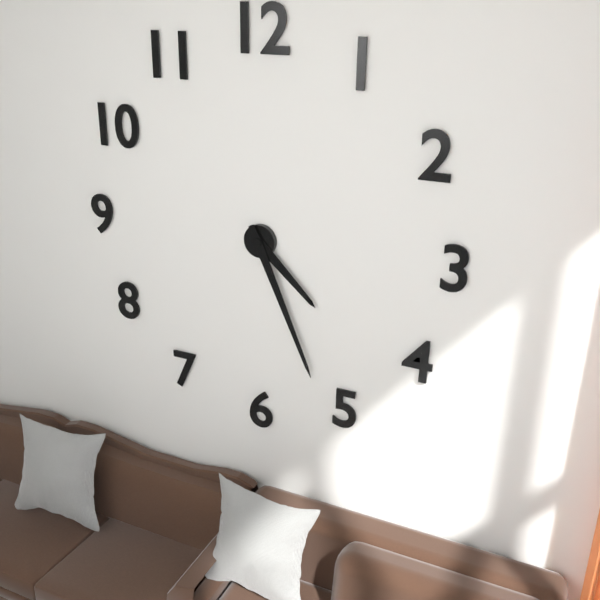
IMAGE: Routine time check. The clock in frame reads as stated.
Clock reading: 4:26
